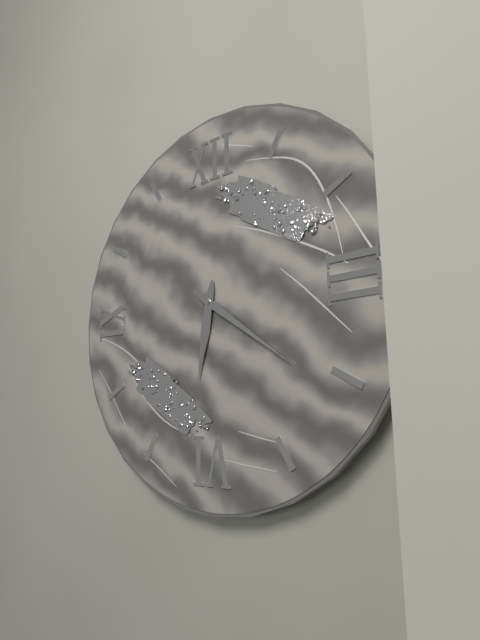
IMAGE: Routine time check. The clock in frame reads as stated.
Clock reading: 6:21
